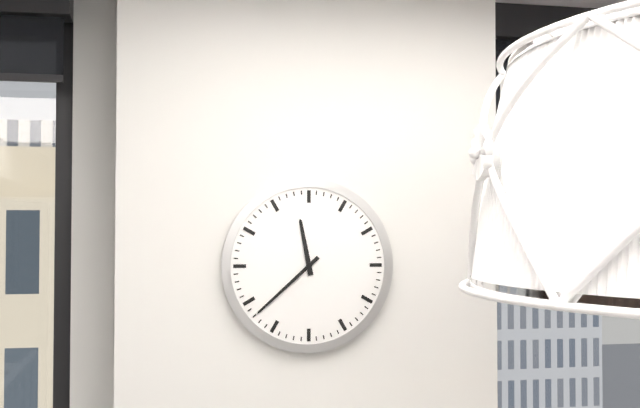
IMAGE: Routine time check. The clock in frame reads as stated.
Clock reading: 11:38
